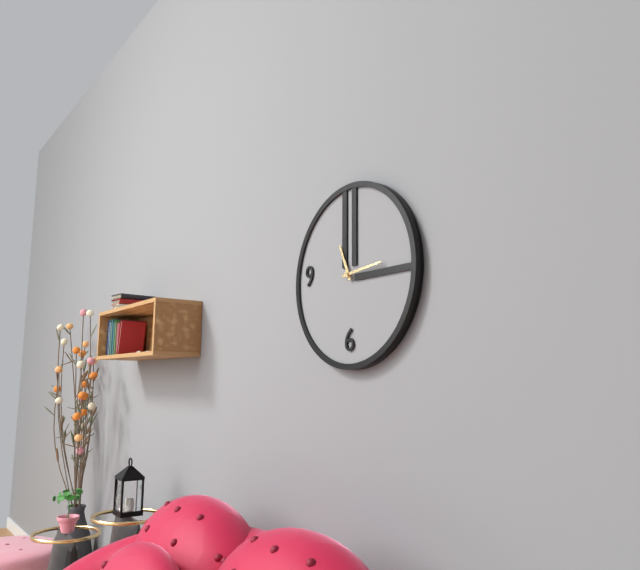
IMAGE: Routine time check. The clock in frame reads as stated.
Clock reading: 11:14
